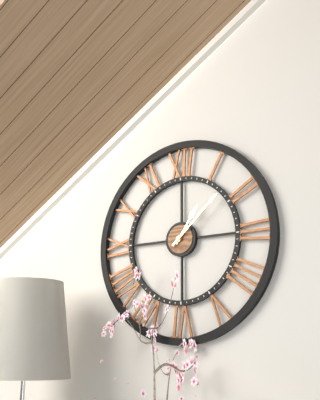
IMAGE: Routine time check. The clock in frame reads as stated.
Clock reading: 1:08
